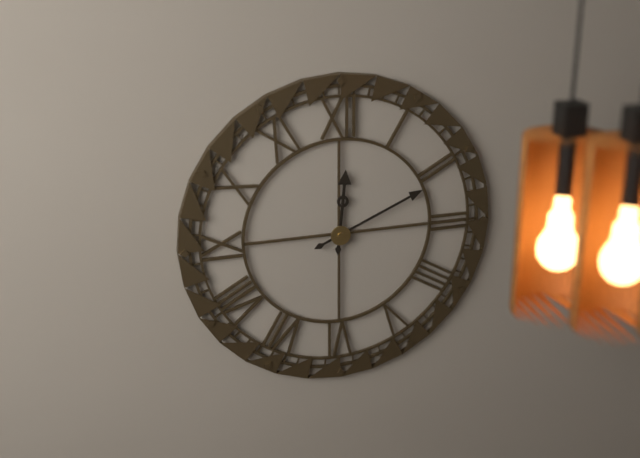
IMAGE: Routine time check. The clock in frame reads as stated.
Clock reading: 12:11
